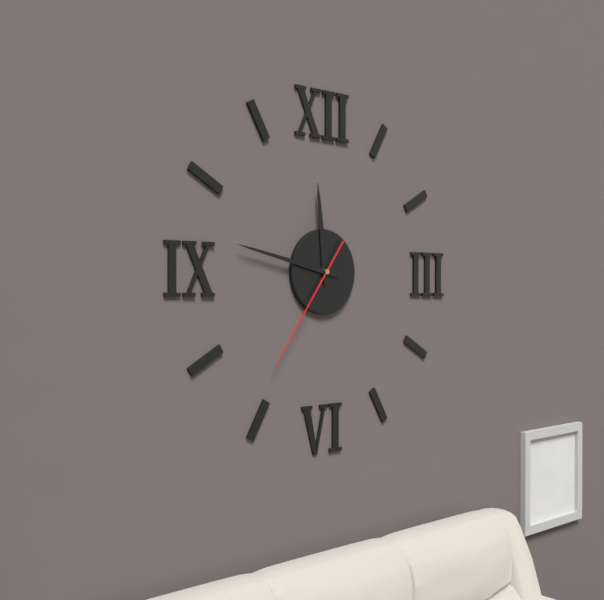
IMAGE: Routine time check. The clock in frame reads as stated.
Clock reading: 11:47:36
